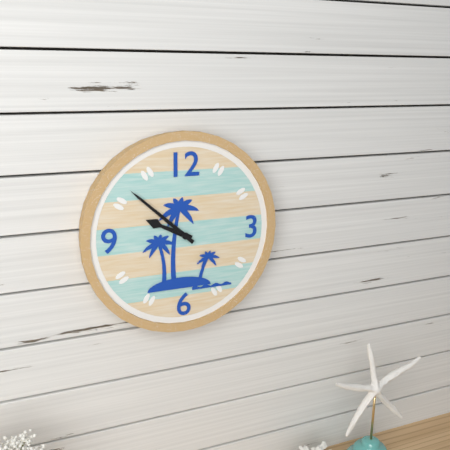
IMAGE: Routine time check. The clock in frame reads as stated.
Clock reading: 9:52
